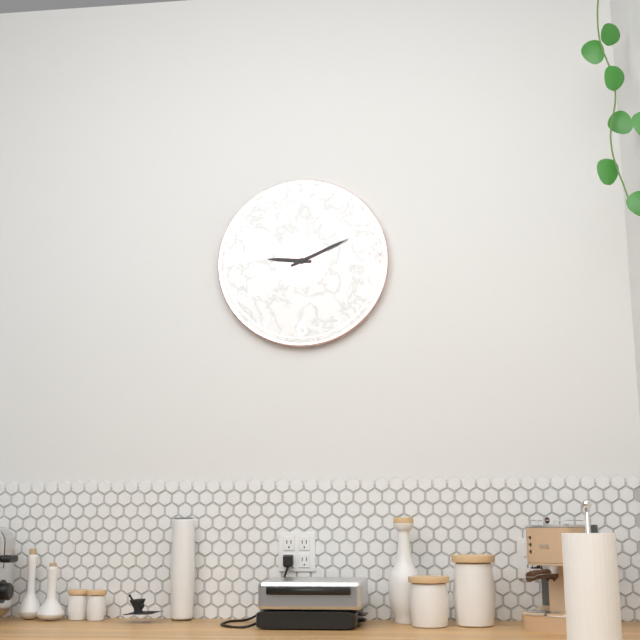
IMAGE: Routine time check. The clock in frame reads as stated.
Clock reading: 9:11
